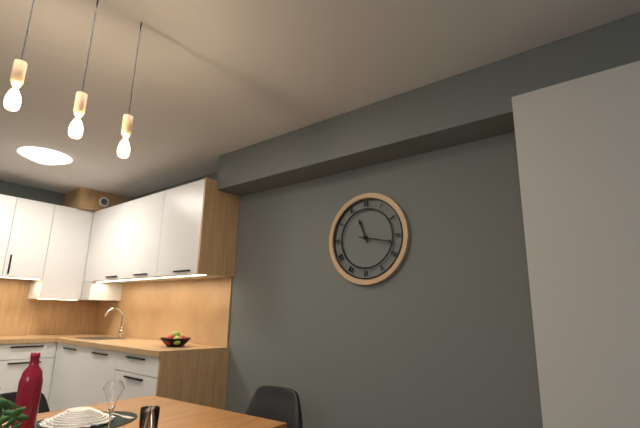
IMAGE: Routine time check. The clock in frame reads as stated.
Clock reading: 11:17
